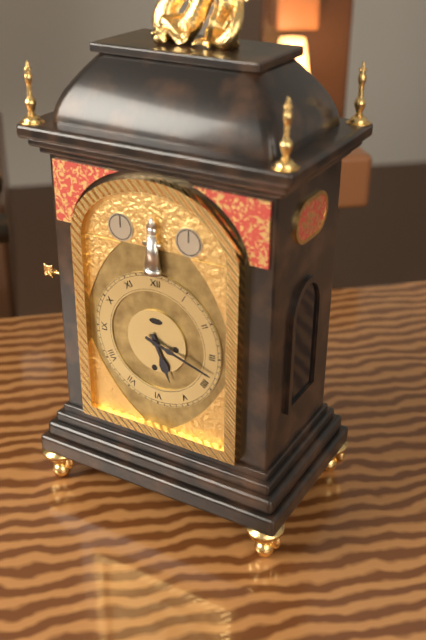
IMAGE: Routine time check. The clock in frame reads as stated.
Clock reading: 5:18
